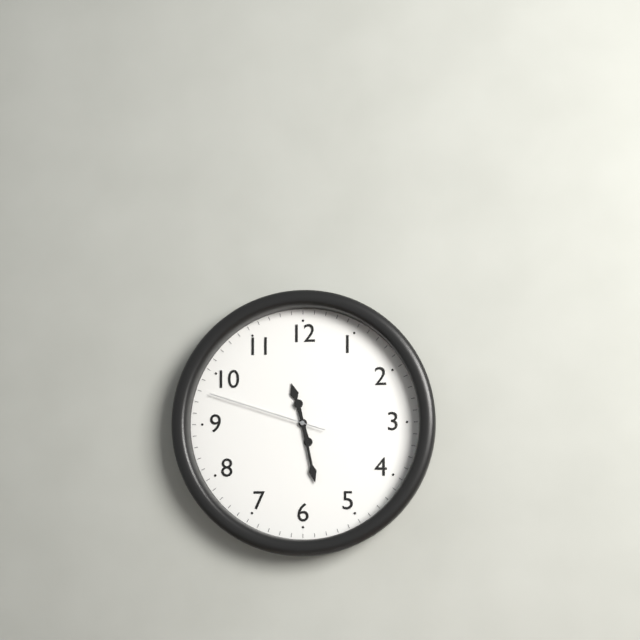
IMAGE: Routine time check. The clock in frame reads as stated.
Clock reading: 11:28:48
